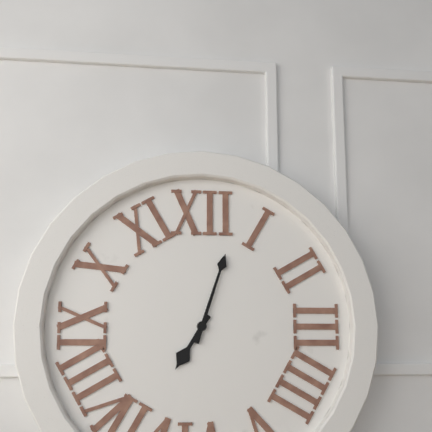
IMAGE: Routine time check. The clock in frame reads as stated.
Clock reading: 7:03
